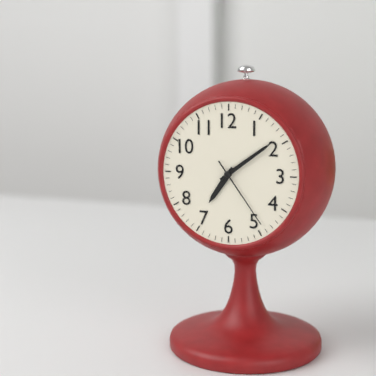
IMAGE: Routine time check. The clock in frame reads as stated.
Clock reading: 7:09:24
